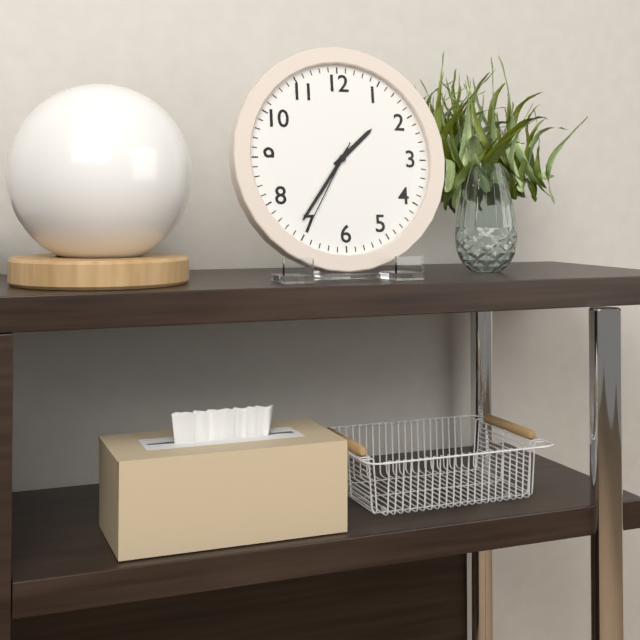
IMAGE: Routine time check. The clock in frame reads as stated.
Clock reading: 1:36:35
